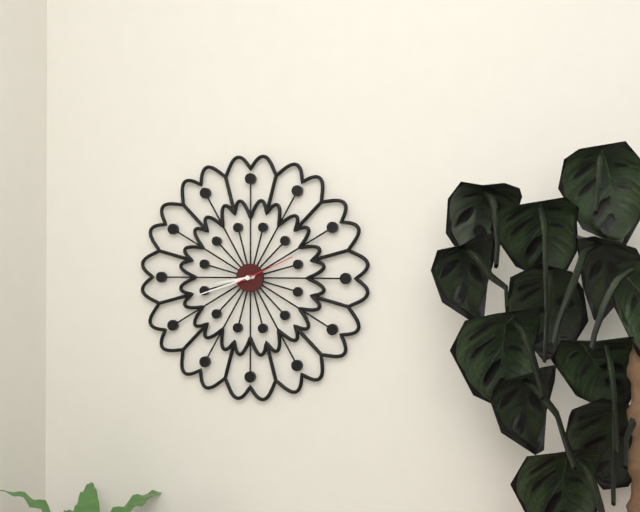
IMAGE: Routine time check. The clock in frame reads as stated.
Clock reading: 8:42:11
